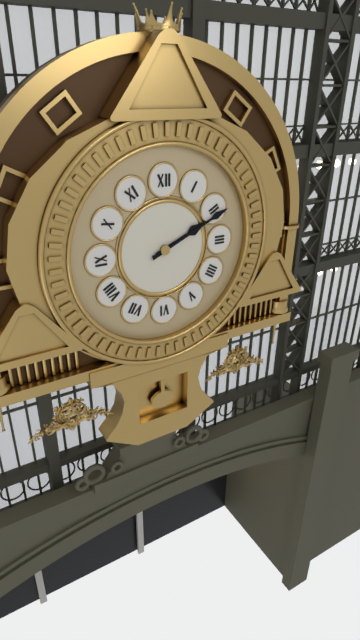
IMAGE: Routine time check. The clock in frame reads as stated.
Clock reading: 2:11
